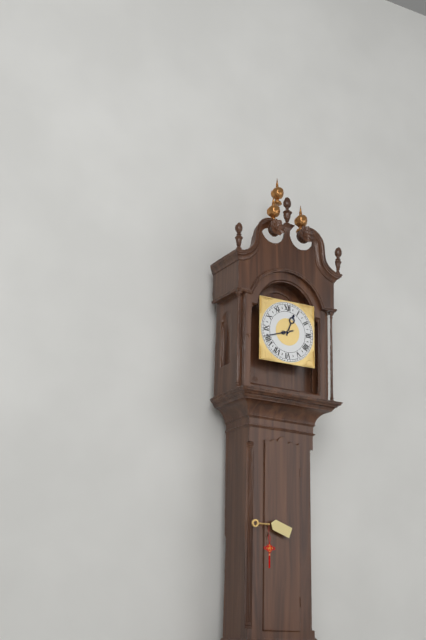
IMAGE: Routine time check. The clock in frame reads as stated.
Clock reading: 12:42
